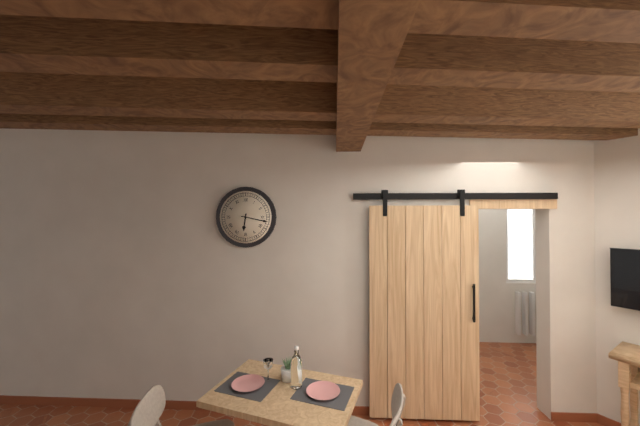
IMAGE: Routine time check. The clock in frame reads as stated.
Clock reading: 6:17
